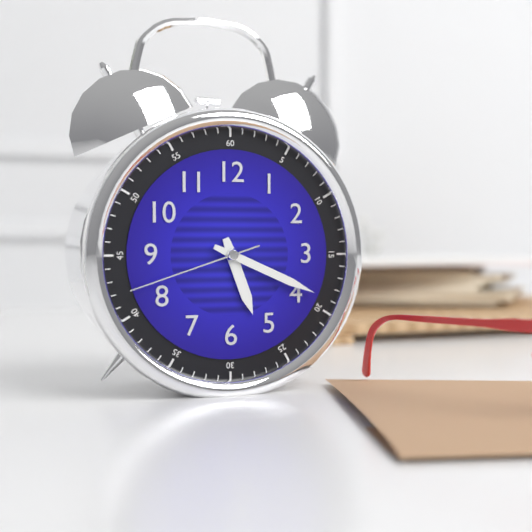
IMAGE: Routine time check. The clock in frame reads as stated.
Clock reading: 5:19:42
